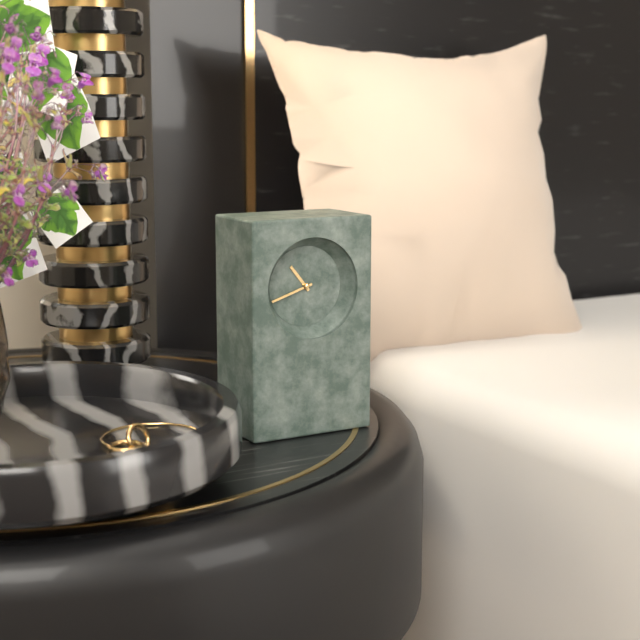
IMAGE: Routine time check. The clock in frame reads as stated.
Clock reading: 10:42
